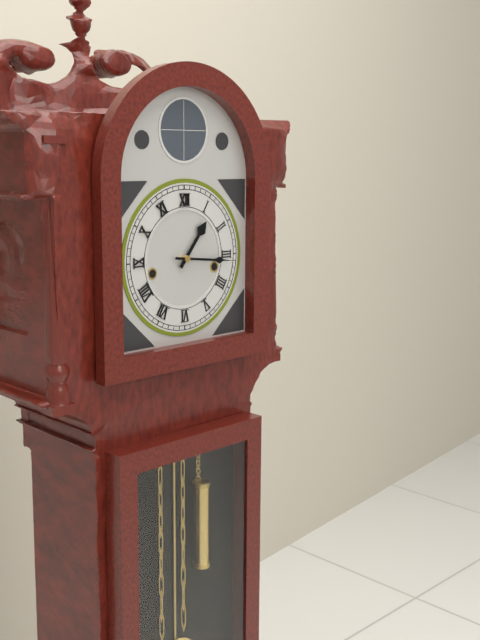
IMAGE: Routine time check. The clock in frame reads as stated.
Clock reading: 1:16
